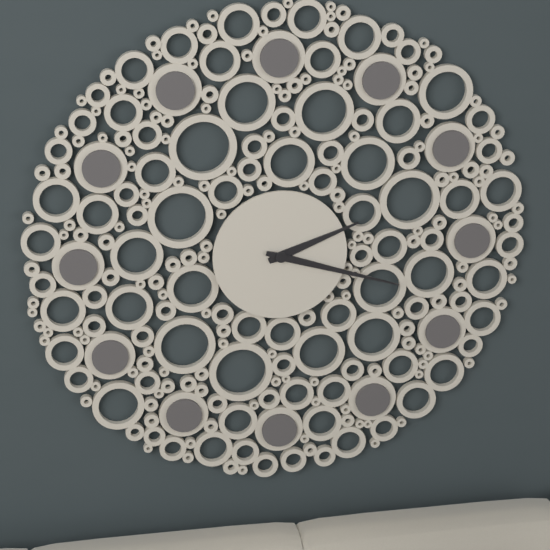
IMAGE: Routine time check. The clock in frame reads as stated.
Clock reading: 2:18
